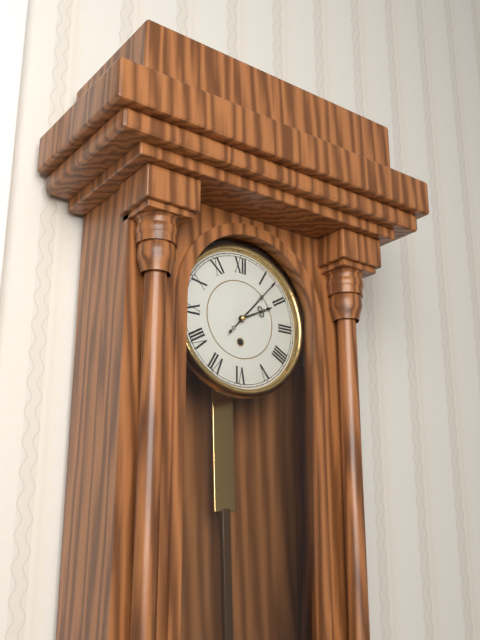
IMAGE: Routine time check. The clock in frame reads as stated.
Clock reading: 2:07
